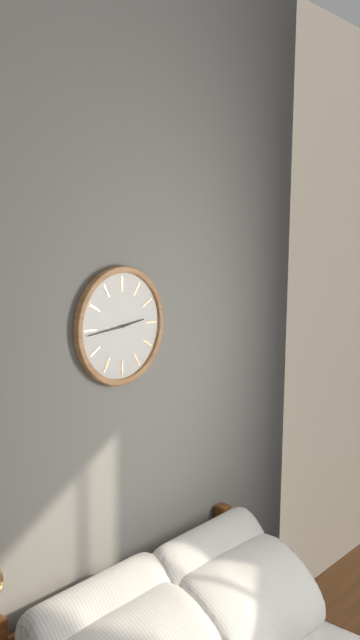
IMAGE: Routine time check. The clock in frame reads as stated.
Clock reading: 2:44
